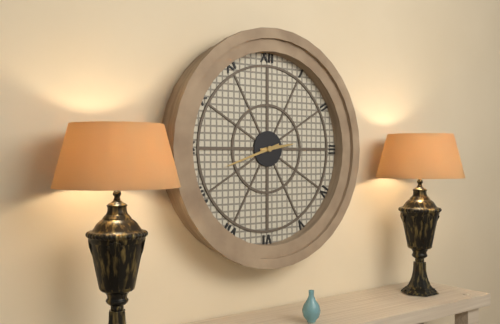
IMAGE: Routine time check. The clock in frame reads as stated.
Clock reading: 2:42
